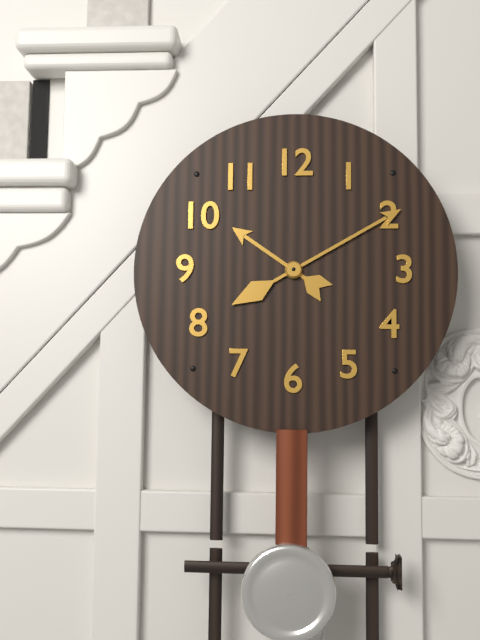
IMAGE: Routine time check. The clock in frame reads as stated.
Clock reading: 10:10
